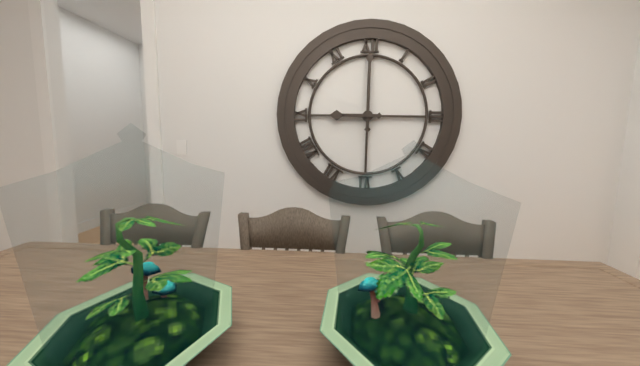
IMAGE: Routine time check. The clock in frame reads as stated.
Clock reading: 9:00
